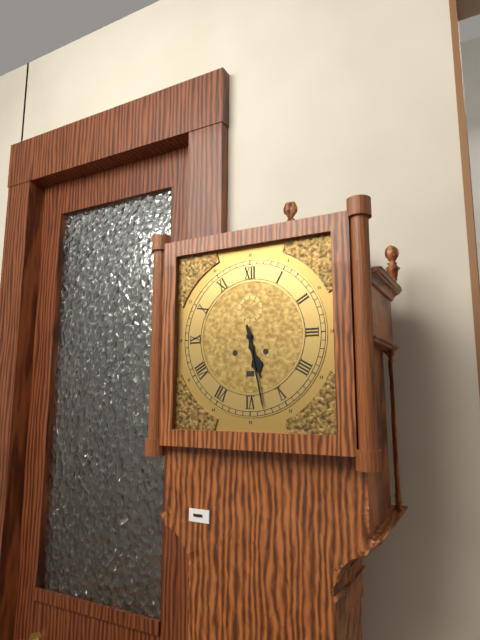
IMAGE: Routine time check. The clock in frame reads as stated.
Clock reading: 5:28
